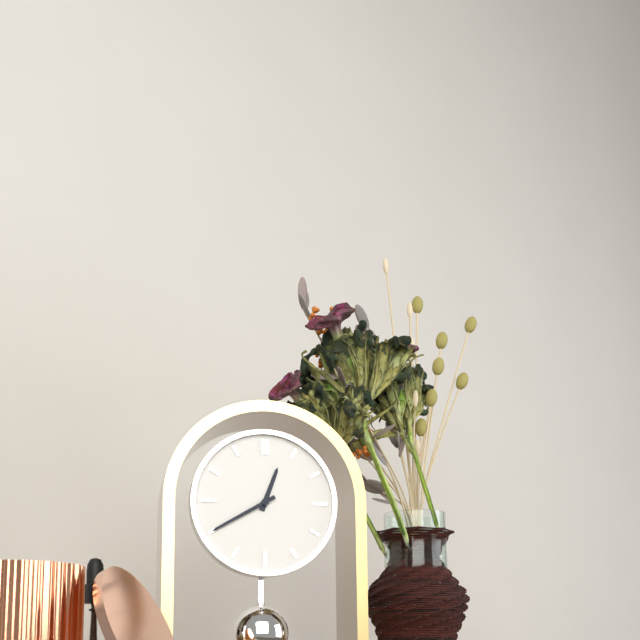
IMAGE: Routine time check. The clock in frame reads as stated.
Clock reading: 12:40
